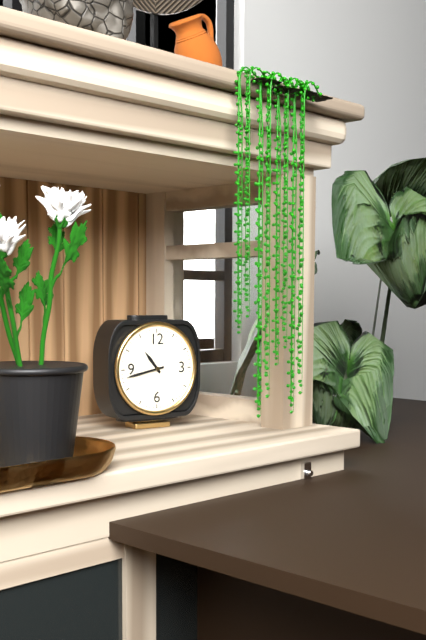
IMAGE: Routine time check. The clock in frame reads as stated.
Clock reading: 10:43
